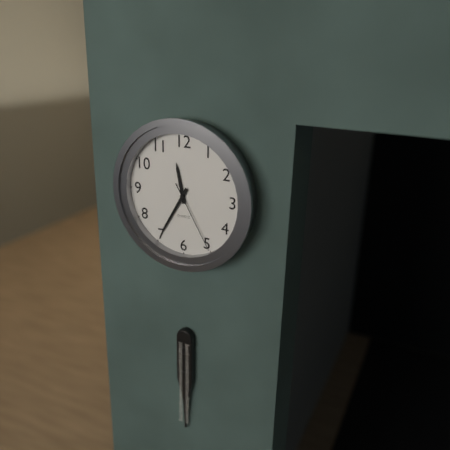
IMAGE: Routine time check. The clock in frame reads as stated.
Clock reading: 11:35:25
